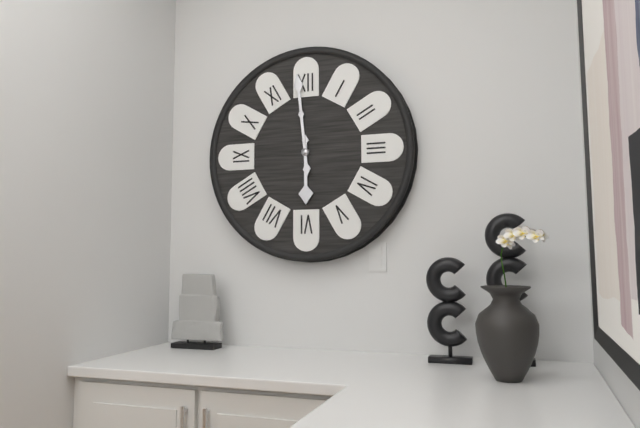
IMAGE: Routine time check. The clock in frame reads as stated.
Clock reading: 5:59
